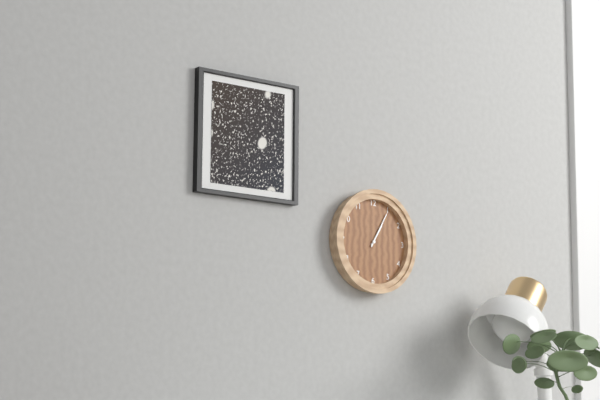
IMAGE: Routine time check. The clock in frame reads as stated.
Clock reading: 1:05
